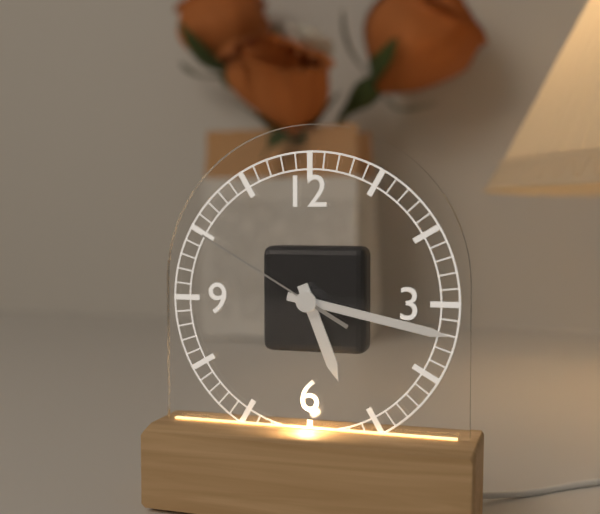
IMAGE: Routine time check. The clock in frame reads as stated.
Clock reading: 5:17:50
